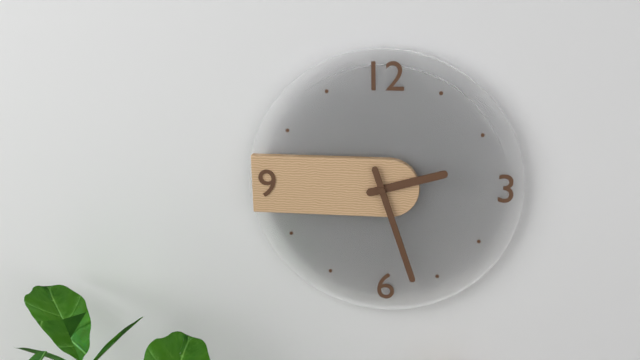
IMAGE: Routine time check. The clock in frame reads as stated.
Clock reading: 2:27
